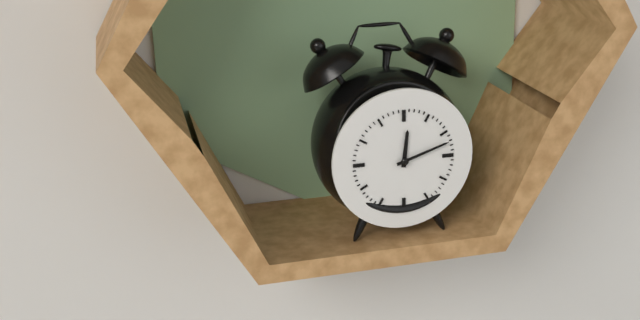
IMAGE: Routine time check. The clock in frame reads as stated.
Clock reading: 12:12
